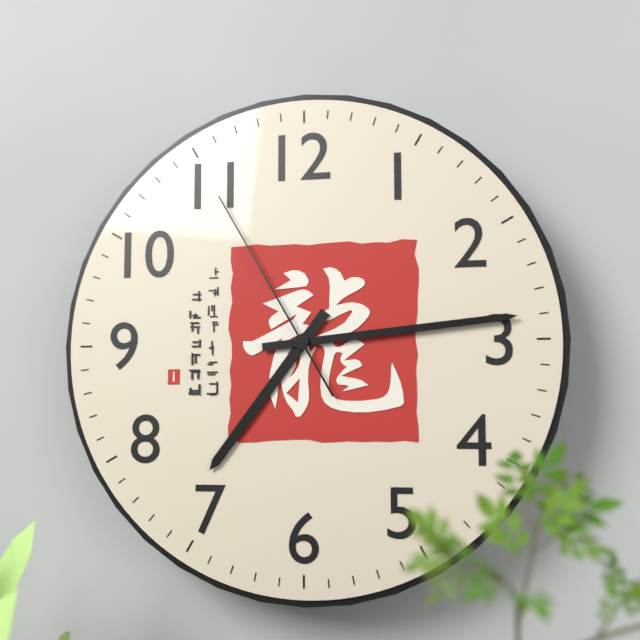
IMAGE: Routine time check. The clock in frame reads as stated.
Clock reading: 7:14:55
